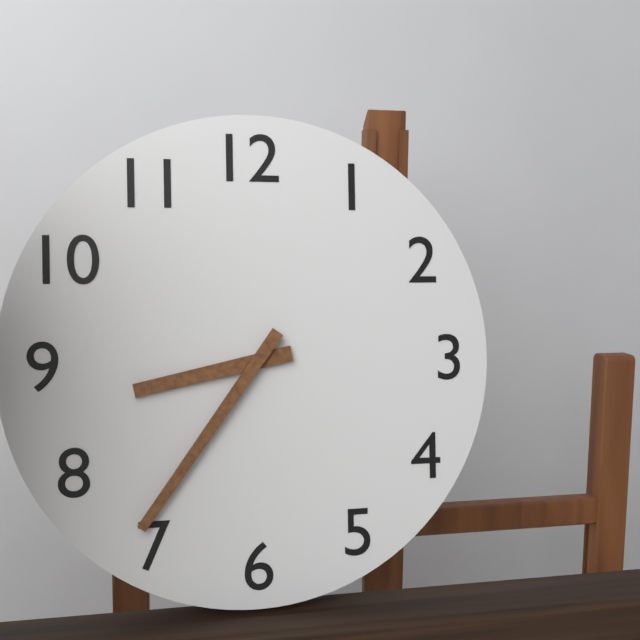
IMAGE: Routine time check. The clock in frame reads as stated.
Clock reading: 8:36
